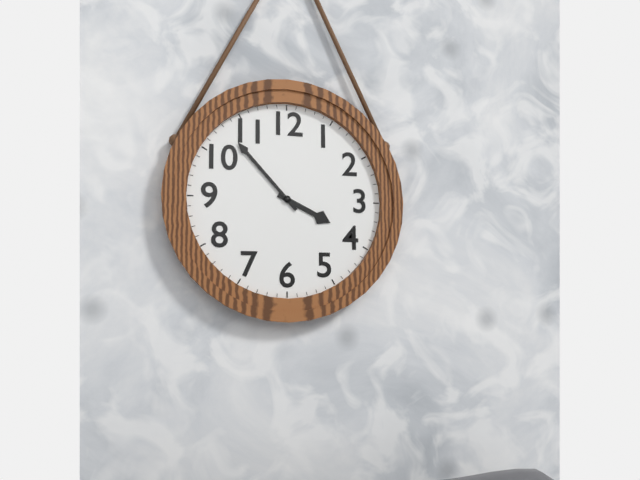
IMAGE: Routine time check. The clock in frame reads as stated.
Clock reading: 3:53
